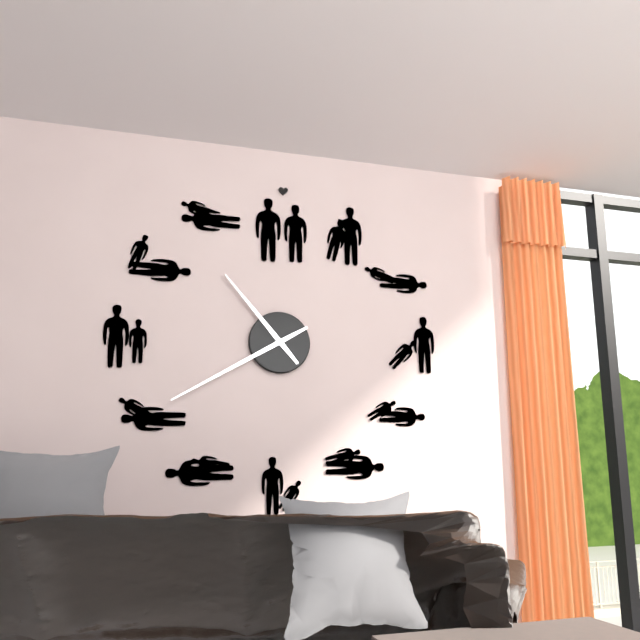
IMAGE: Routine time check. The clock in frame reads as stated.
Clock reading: 10:40
